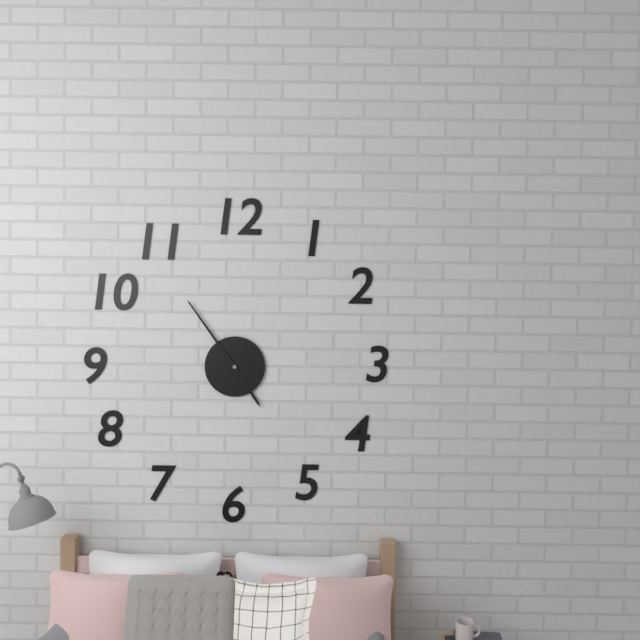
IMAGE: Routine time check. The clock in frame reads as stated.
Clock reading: 4:54
